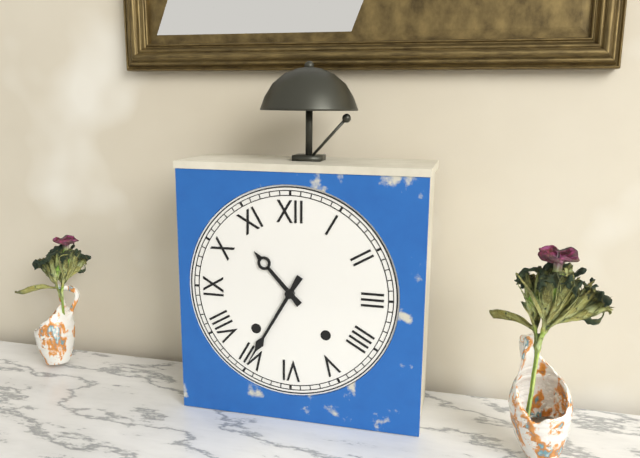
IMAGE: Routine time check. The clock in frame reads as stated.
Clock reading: 10:35
